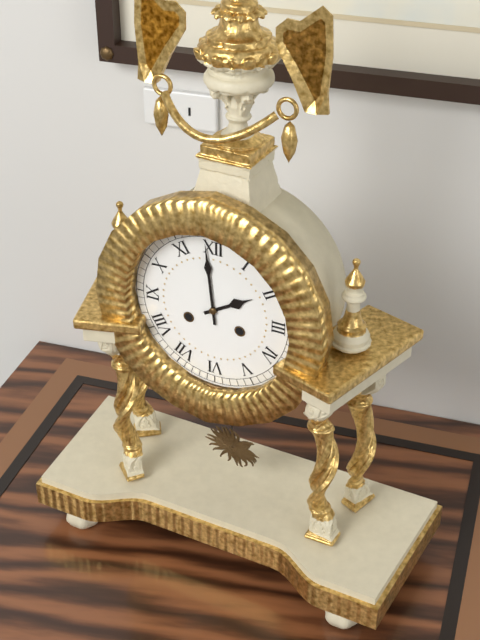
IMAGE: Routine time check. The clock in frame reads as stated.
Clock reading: 1:59
